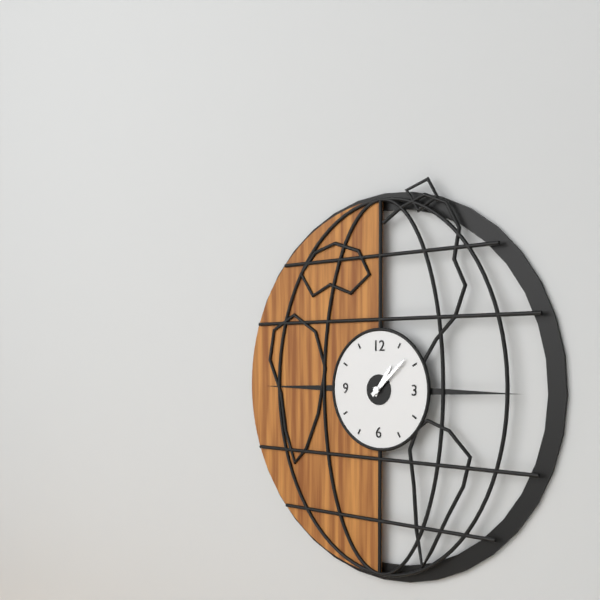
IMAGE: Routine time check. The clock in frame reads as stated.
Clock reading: 1:08
